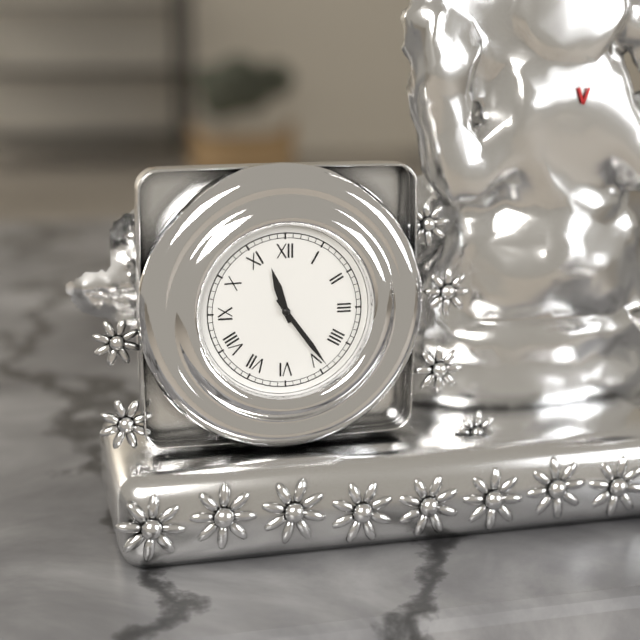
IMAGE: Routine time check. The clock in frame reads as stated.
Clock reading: 11:24
